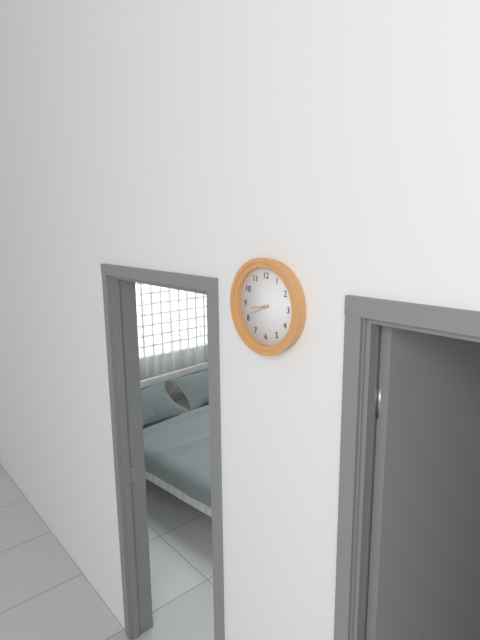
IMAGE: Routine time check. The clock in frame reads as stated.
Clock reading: 8:41
